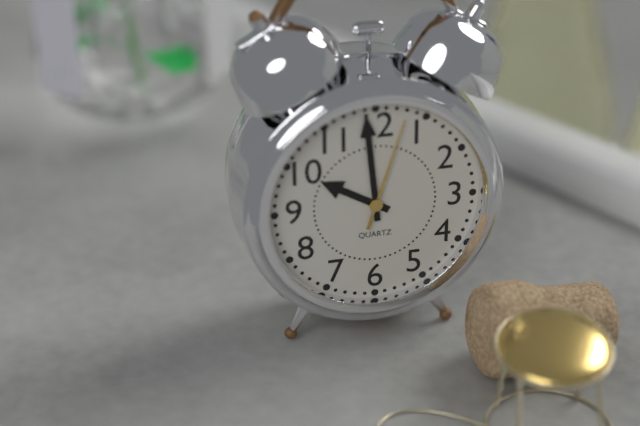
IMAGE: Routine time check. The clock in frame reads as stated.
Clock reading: 9:59:03
